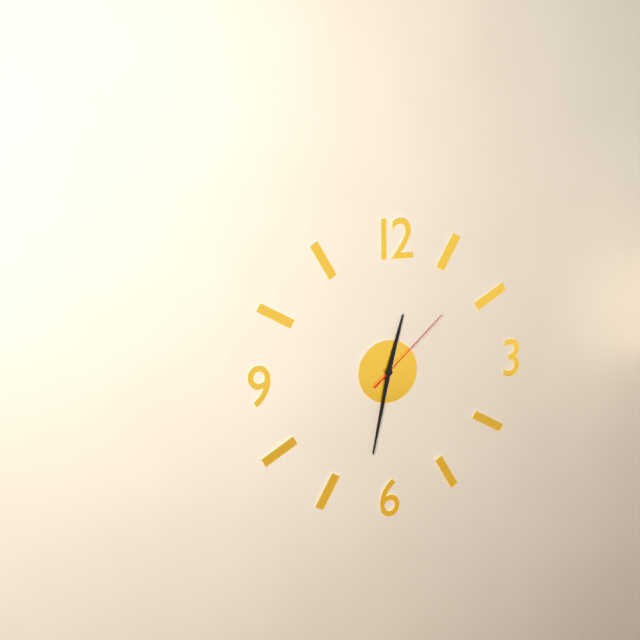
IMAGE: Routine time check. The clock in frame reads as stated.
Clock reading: 12:32:08
